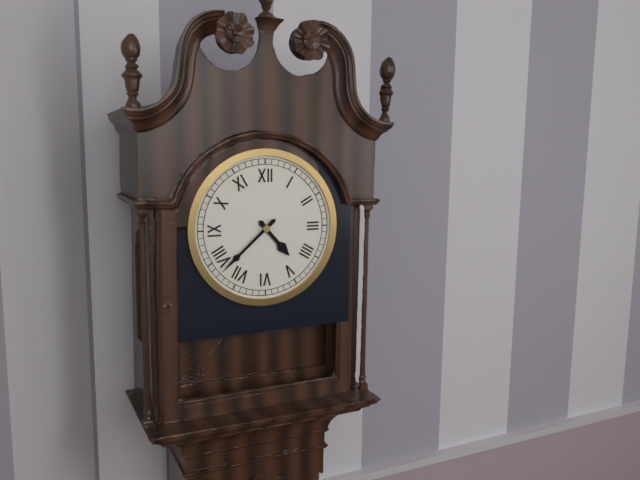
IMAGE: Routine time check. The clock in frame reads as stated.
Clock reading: 4:38
